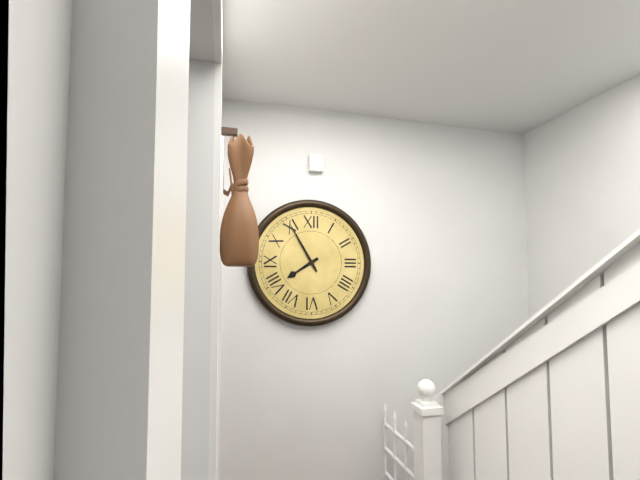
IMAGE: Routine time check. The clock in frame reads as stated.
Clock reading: 7:55
